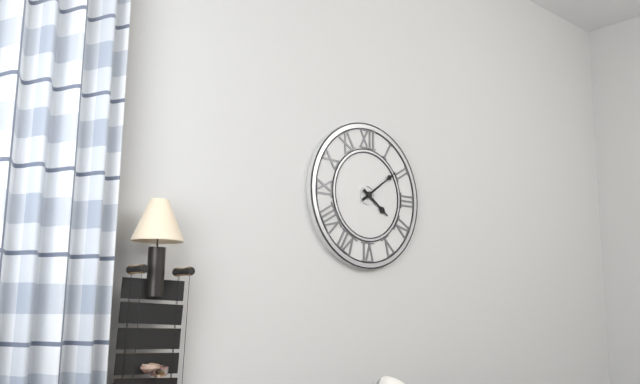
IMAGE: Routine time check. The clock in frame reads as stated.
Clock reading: 4:09
